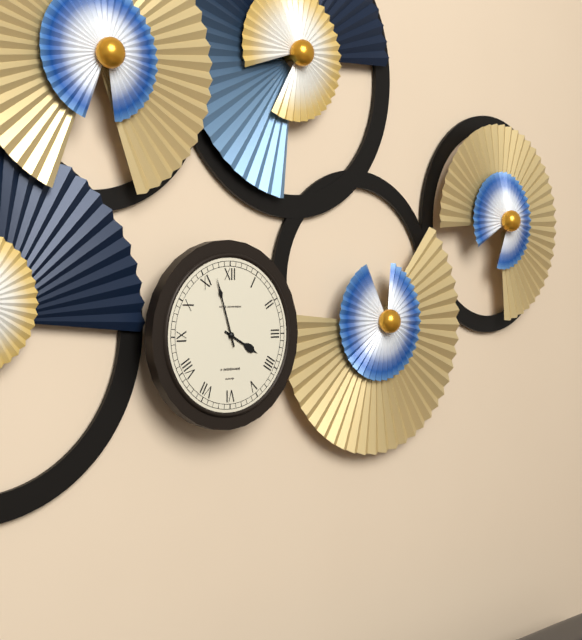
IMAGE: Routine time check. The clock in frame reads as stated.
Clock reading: 3:57
